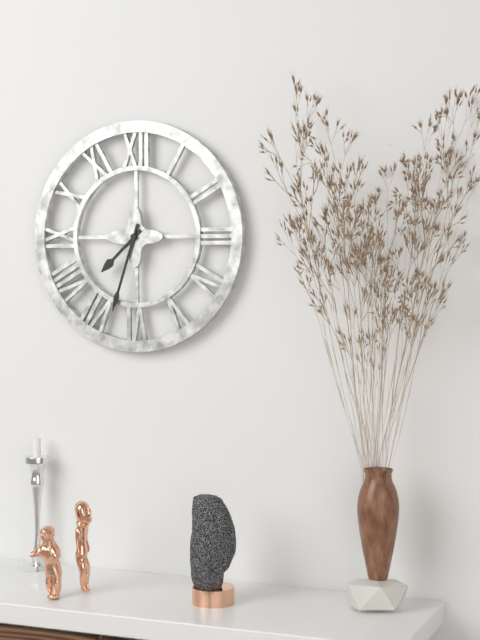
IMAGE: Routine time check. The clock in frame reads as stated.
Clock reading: 7:33
